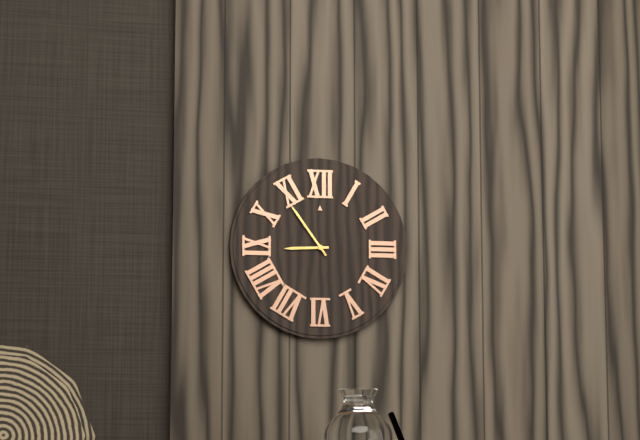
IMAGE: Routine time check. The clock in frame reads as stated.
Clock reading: 8:54
